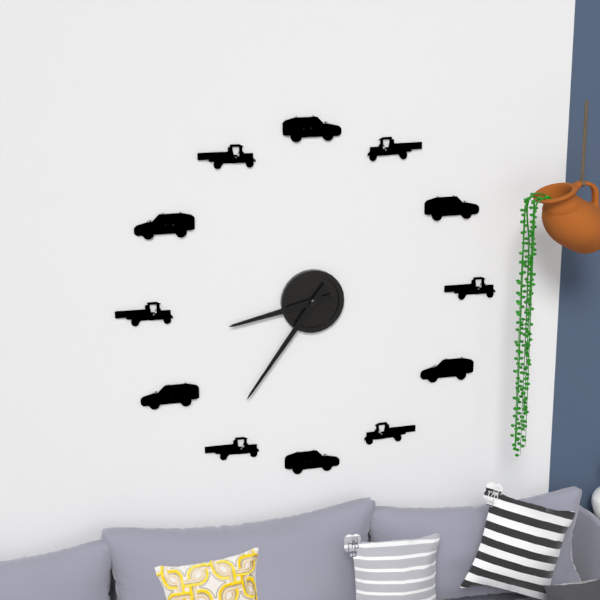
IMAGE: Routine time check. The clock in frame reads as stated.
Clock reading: 8:36
